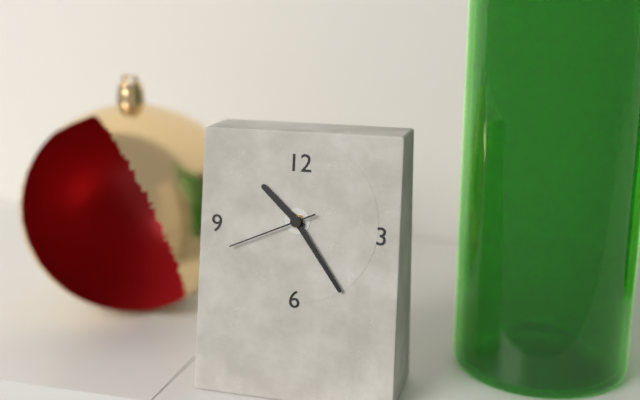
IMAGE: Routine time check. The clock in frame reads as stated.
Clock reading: 10:24:41
